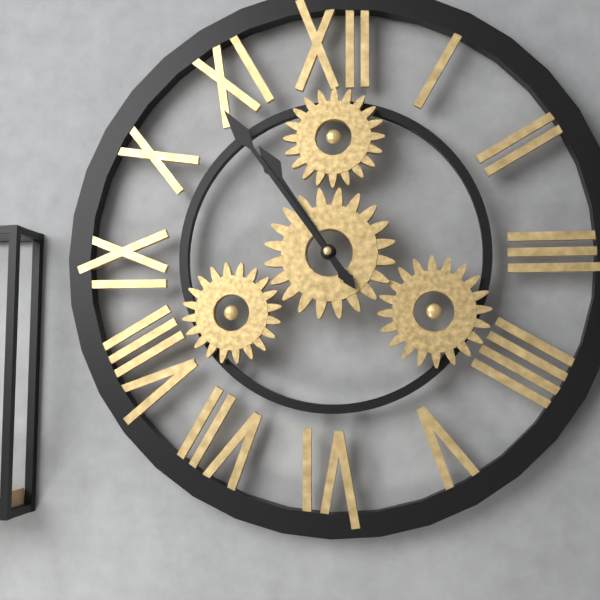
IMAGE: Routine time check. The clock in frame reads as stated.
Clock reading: 10:54
